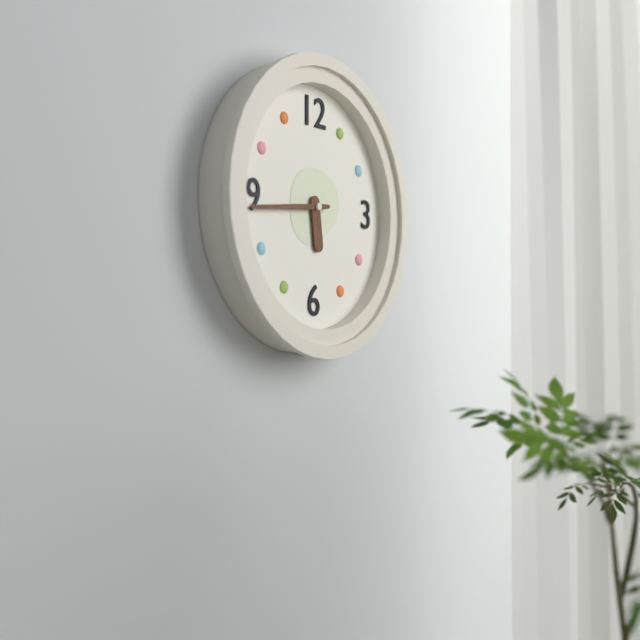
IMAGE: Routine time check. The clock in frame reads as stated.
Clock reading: 5:44
